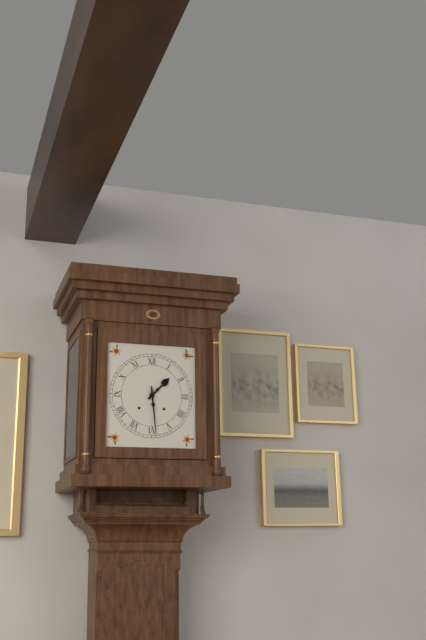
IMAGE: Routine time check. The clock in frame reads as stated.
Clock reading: 1:29
